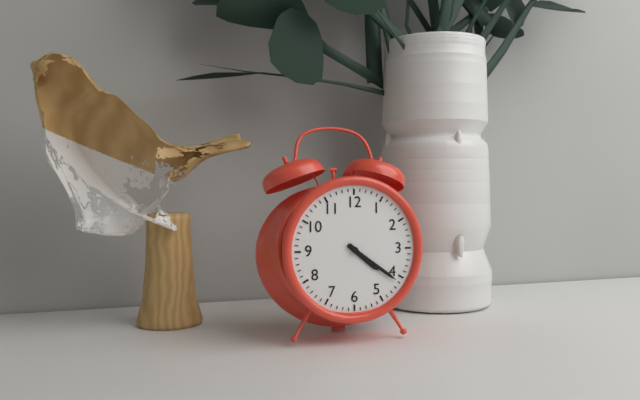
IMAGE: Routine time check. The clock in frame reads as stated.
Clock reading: 4:21
